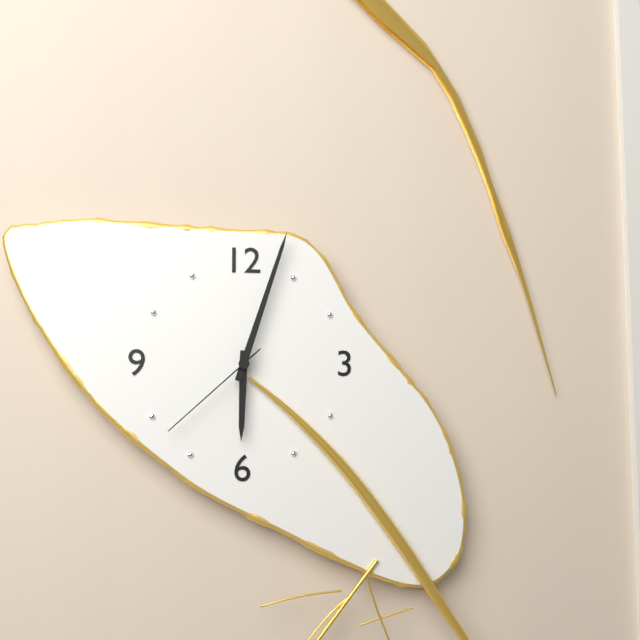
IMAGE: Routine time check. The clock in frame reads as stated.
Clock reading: 6:03:38
